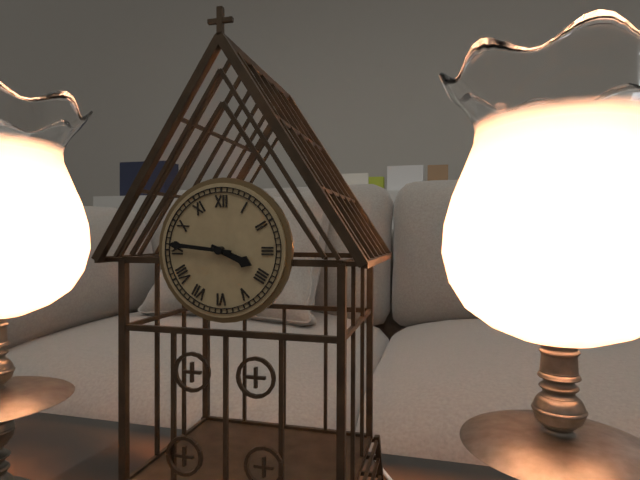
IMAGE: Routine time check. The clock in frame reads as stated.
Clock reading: 3:46
